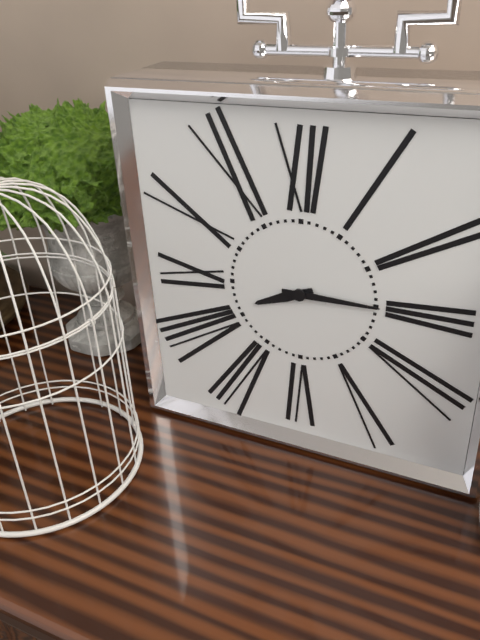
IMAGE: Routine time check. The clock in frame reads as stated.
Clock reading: 8:15
